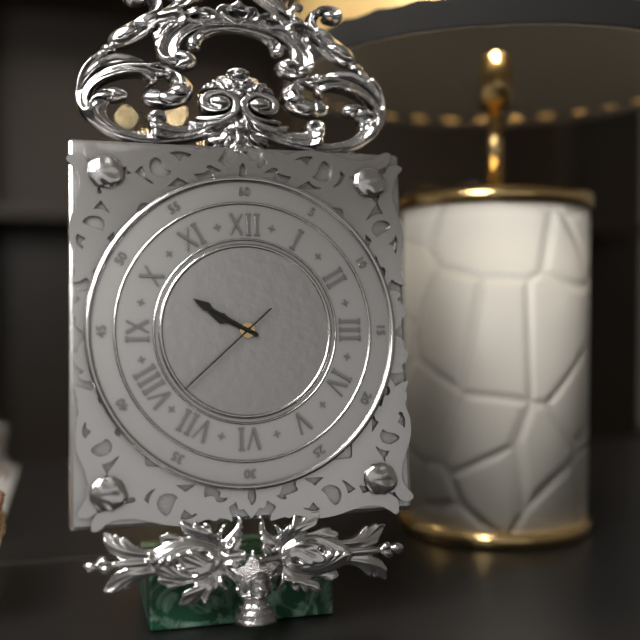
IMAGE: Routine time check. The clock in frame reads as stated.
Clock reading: 9:50:38
